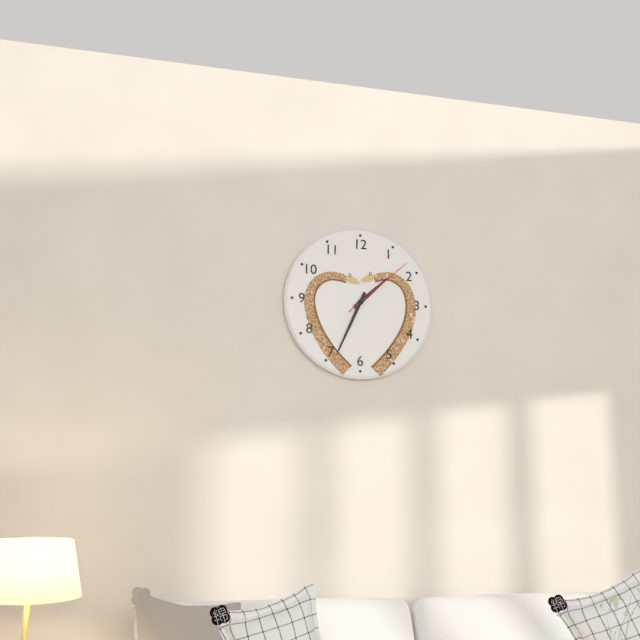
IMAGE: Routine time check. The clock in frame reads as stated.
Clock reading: 1:34:08
